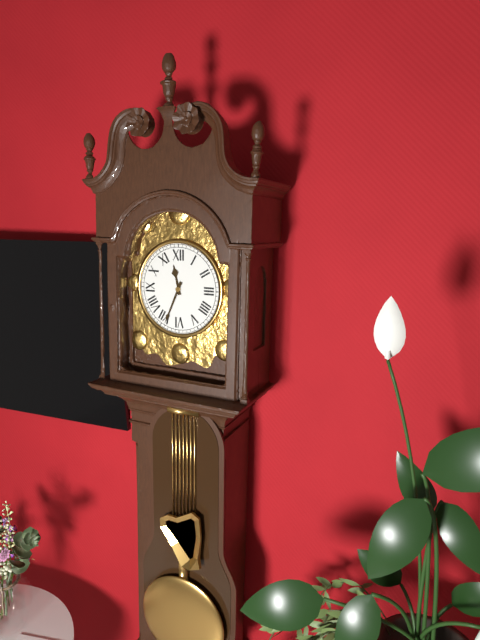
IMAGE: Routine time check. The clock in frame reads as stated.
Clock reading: 11:34
